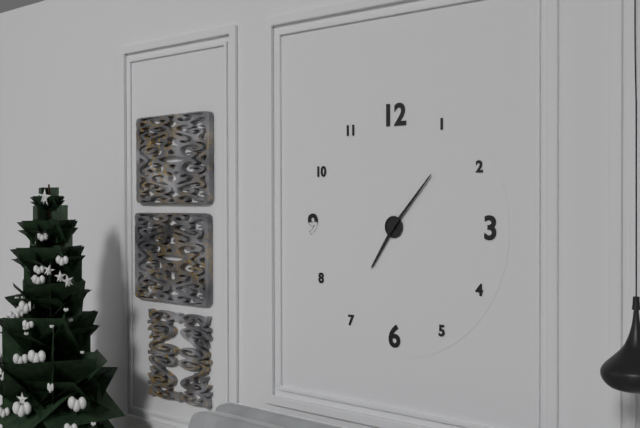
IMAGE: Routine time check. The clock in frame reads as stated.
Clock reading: 7:07
